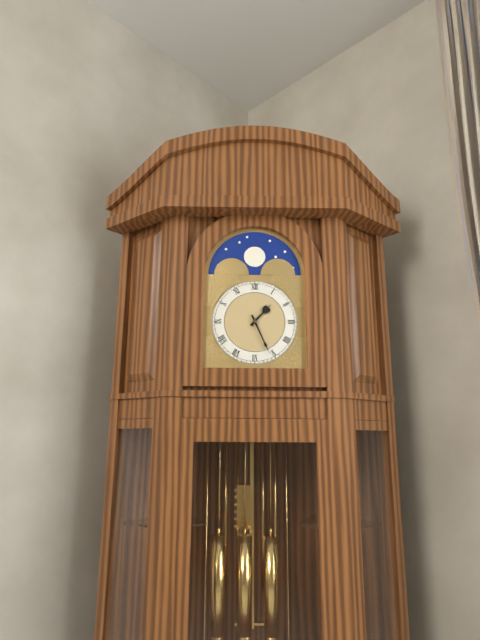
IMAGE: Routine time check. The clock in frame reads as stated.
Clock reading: 1:26
